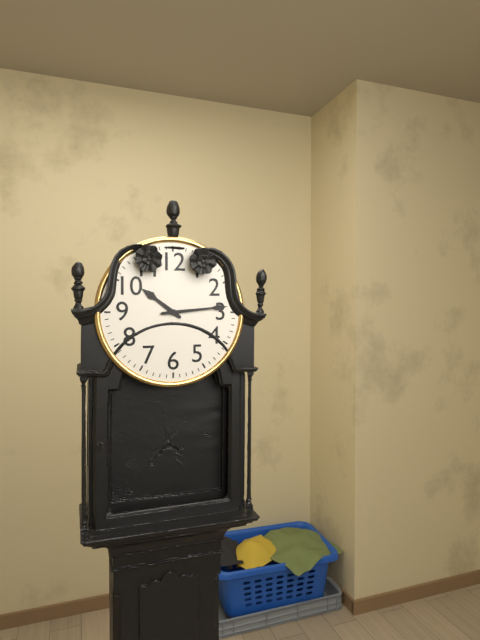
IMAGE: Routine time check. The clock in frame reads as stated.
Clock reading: 10:14
